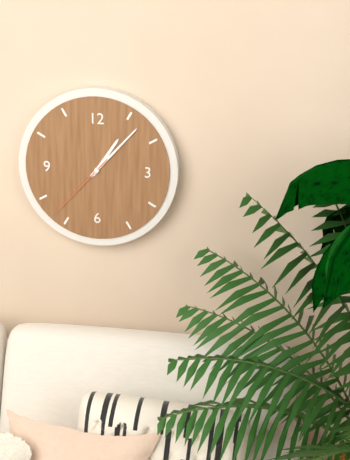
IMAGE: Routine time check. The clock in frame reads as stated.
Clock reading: 1:07:37
